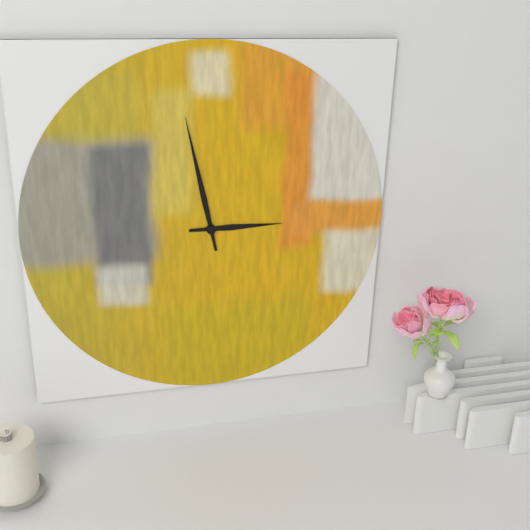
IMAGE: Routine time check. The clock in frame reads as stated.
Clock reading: 2:58
